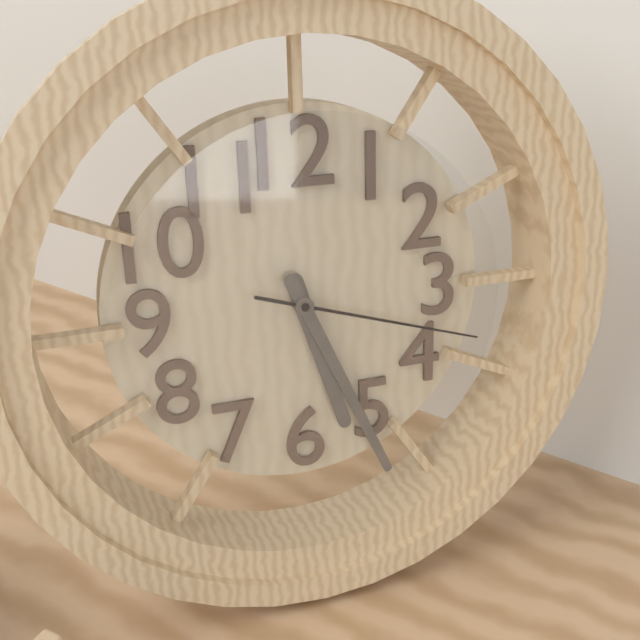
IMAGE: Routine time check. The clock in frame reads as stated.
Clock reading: 5:26:18
